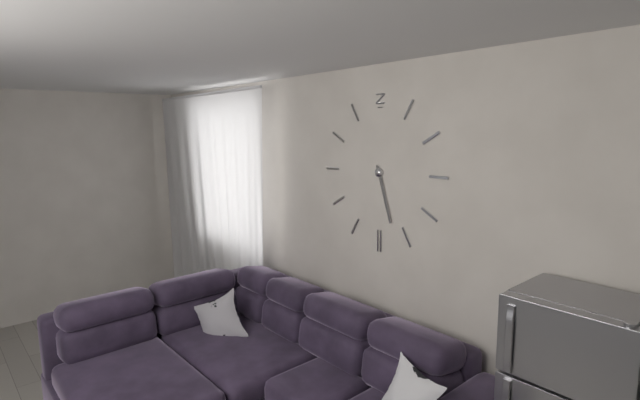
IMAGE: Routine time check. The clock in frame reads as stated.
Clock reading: 5:27
